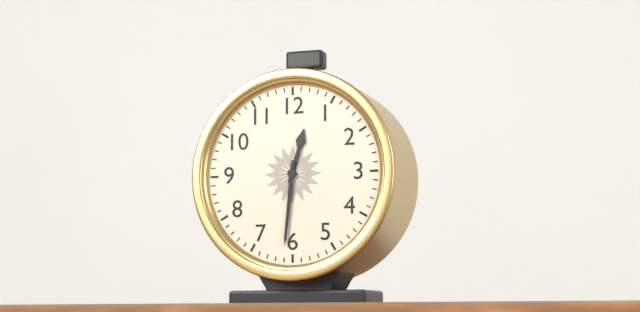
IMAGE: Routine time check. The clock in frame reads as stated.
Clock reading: 12:31
